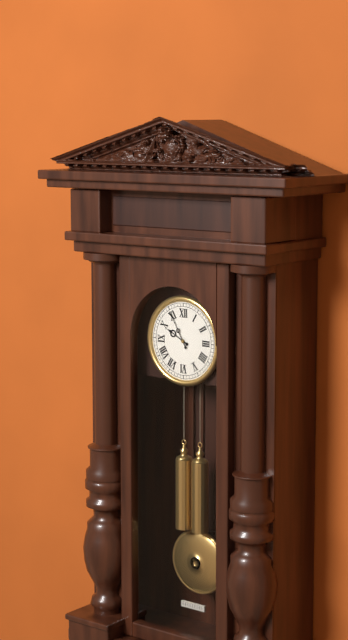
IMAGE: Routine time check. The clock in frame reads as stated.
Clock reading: 9:55
